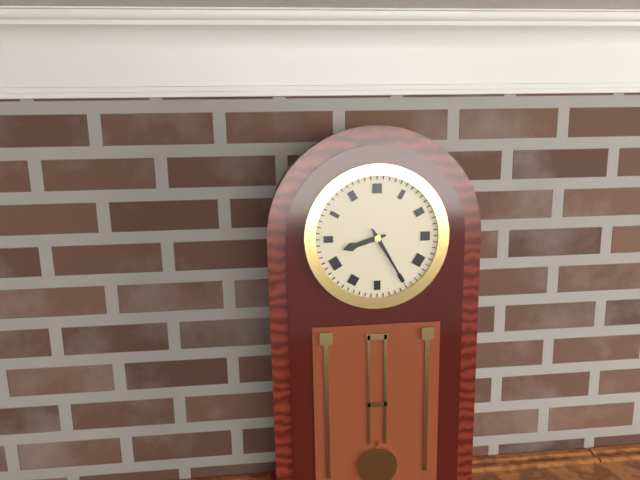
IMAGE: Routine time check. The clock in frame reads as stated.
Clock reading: 8:25
